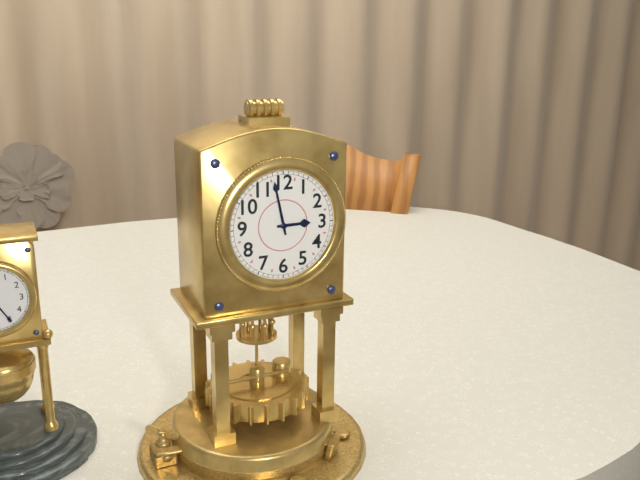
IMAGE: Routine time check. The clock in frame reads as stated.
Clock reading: 2:58
